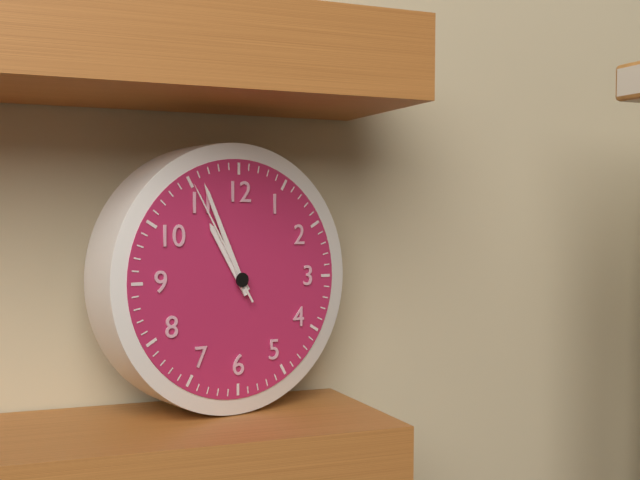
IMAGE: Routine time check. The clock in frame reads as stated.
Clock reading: 10:56:55
